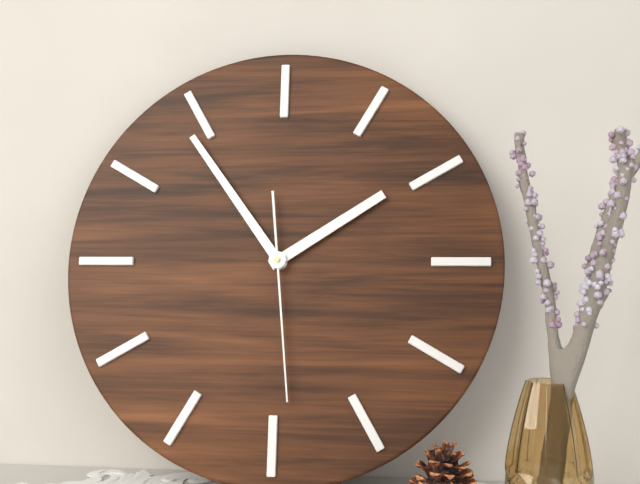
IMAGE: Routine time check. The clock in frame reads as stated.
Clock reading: 1:54:29
